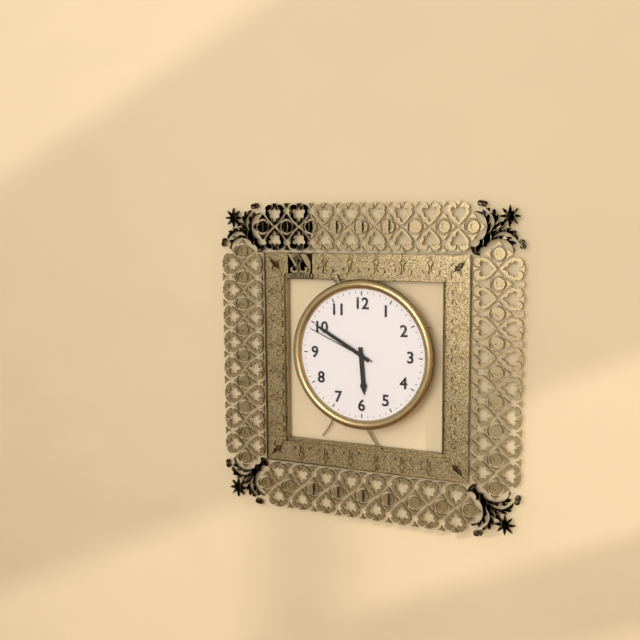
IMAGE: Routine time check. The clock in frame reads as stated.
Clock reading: 5:50:49
